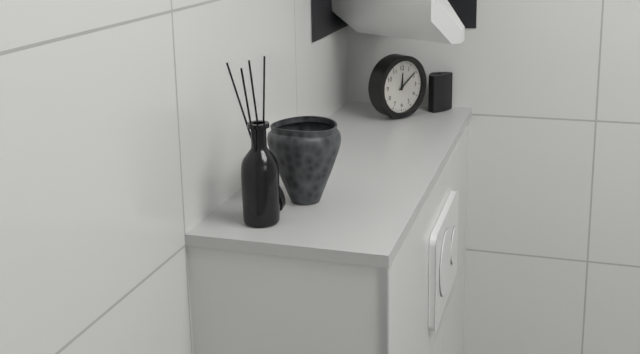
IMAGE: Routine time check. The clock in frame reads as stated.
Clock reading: 12:09
